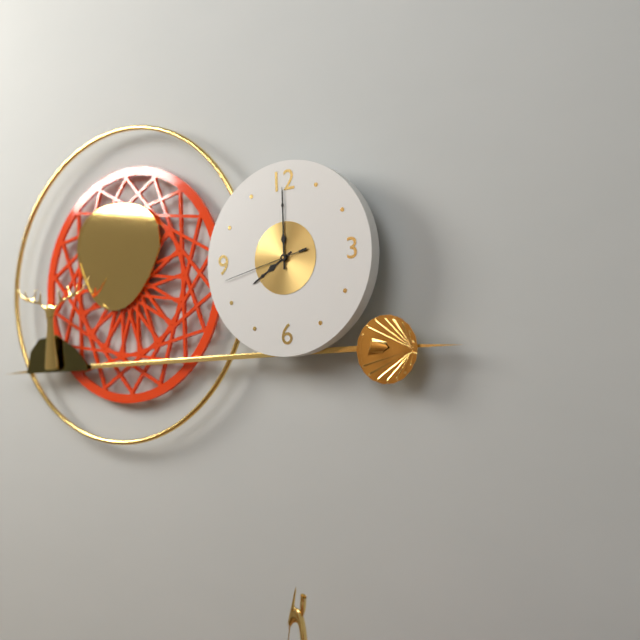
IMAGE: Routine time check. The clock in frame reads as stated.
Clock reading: 8:00:43
